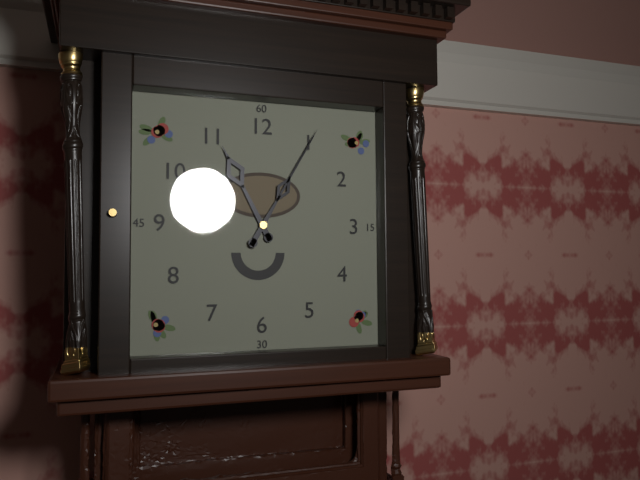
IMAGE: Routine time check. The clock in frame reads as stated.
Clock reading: 11:05
